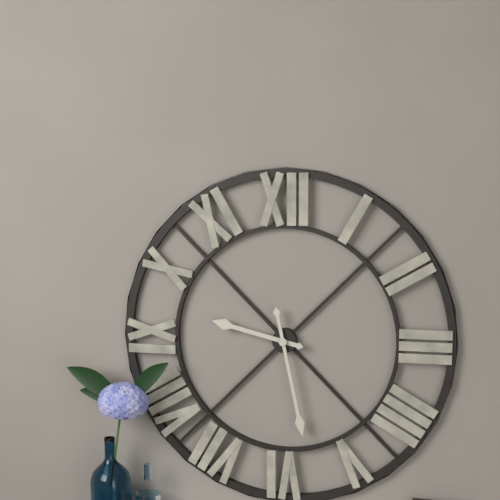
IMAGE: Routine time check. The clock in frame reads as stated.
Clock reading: 9:28
